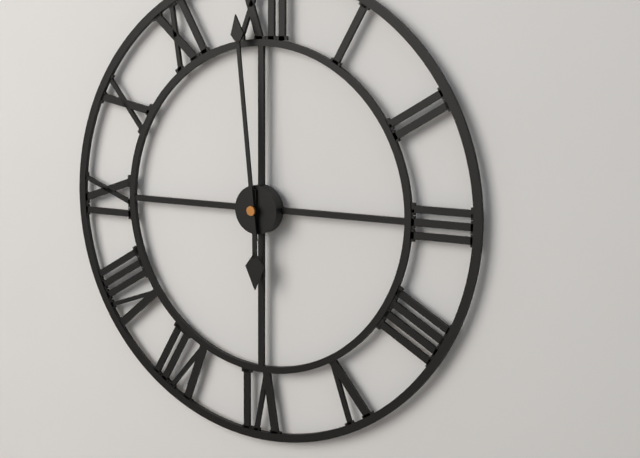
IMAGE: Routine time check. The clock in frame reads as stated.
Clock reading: 5:59
